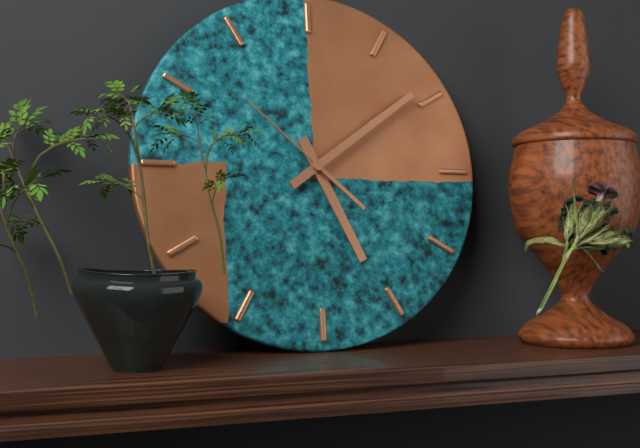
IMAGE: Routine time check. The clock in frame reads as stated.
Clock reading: 5:09:52
